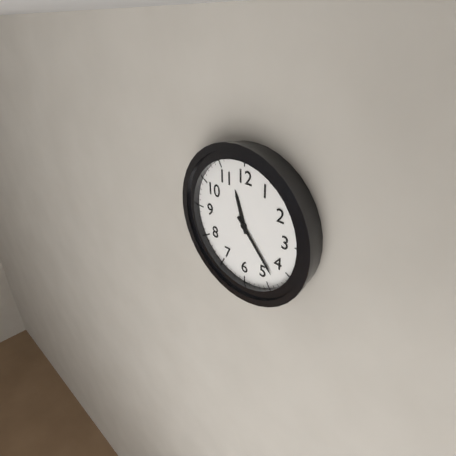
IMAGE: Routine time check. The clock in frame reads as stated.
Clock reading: 11:23
